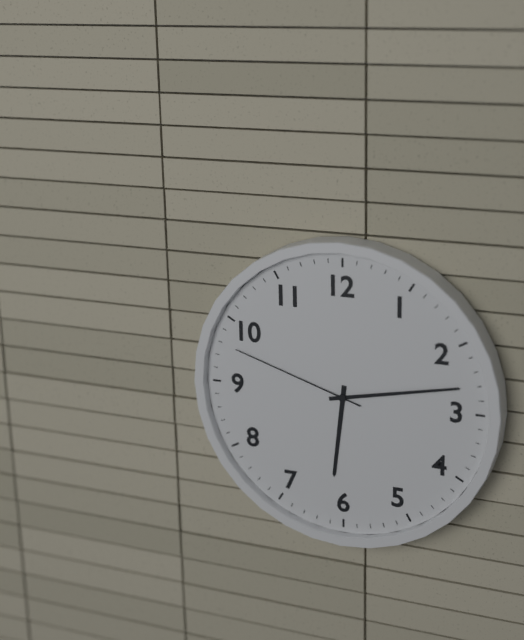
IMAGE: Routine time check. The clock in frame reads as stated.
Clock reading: 6:13:48
